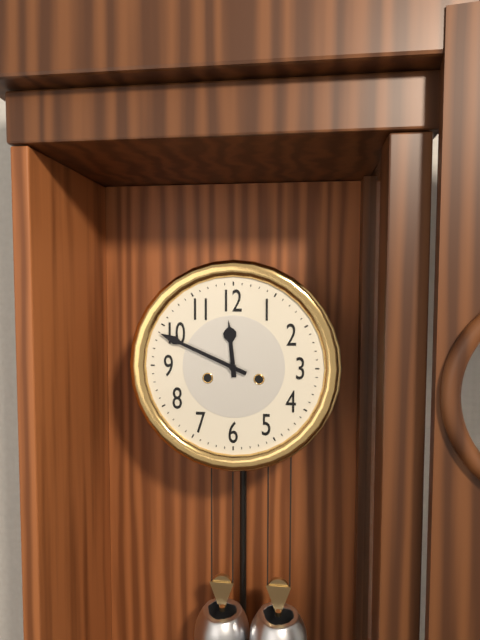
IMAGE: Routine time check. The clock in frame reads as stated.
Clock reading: 11:49
